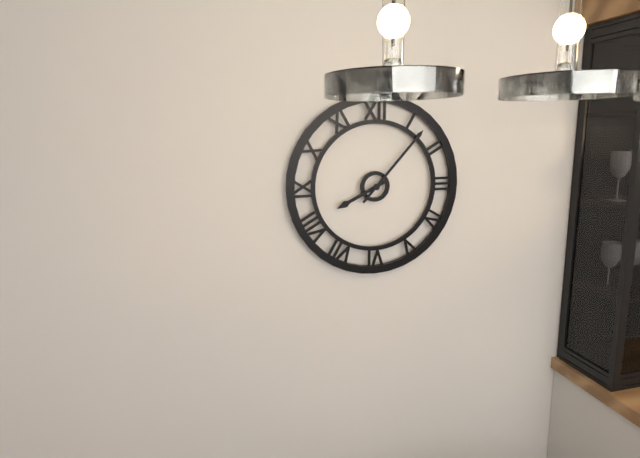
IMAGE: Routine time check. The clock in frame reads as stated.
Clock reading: 8:07
